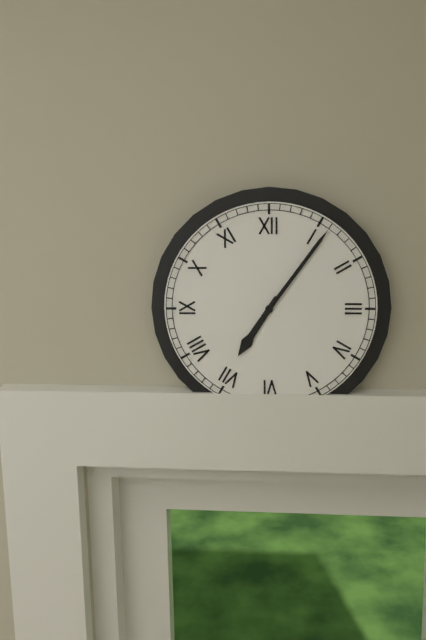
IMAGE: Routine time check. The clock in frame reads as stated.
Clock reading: 7:06
